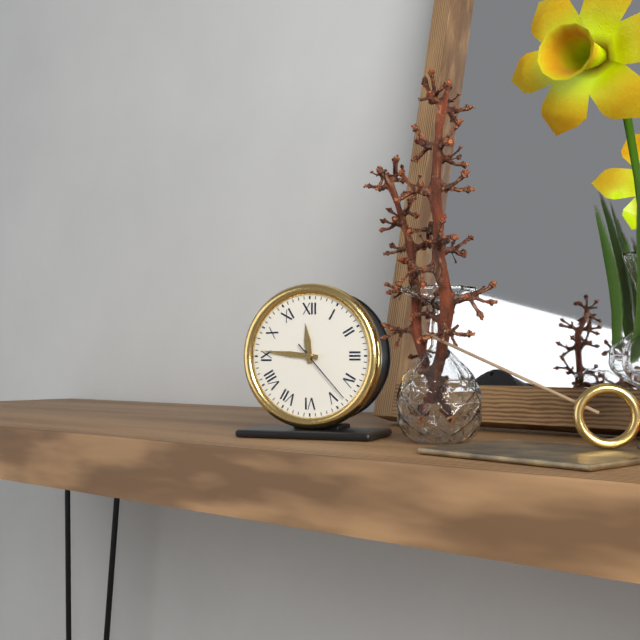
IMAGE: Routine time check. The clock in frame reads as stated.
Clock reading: 11:46:23
